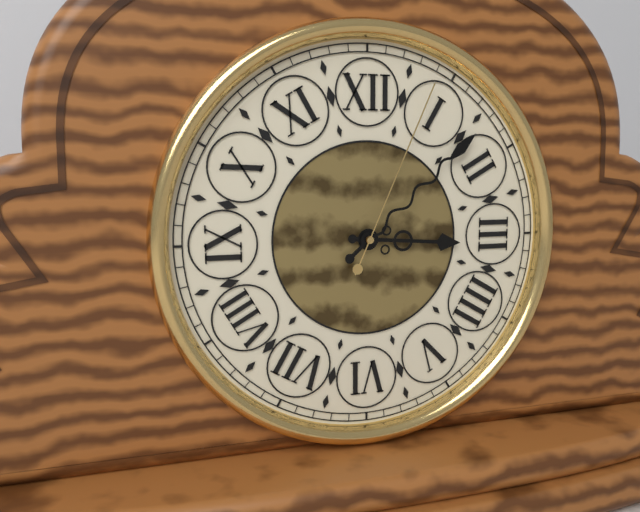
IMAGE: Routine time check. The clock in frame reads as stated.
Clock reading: 3:08:04
